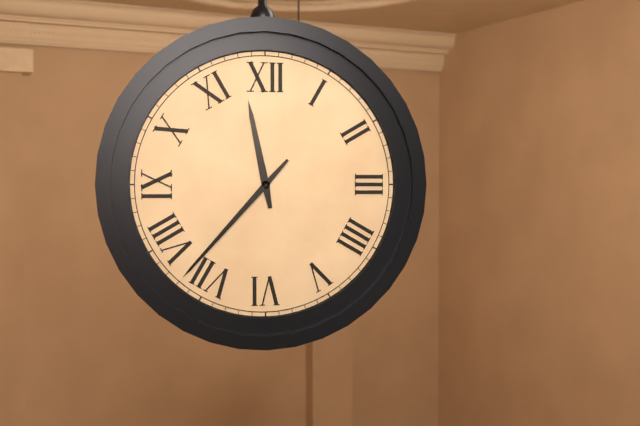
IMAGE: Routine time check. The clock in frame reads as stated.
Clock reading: 11:37
